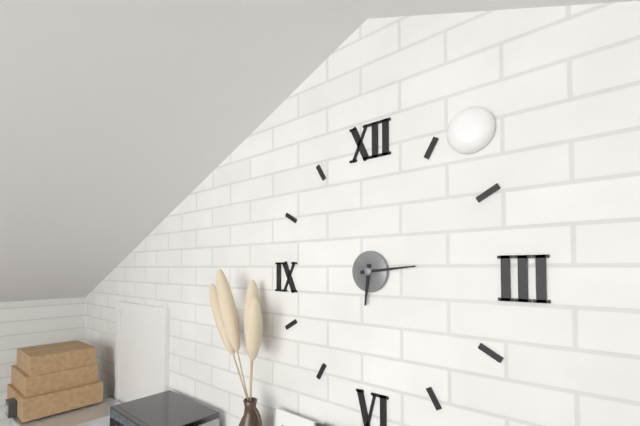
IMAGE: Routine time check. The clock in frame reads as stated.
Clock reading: 6:14
